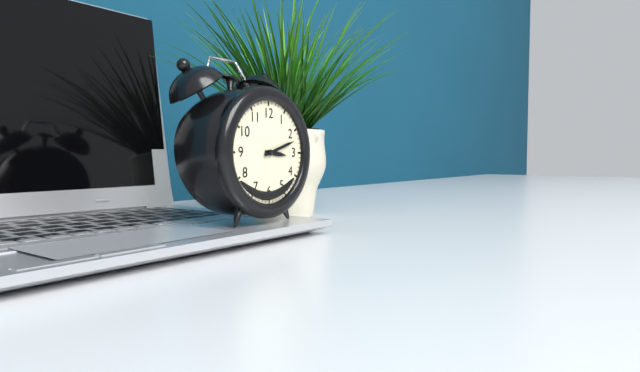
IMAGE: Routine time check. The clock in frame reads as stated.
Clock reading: 3:12
